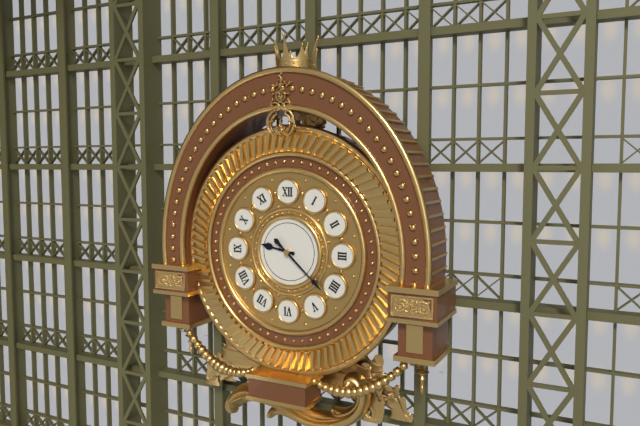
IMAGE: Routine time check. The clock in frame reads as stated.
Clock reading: 9:22
